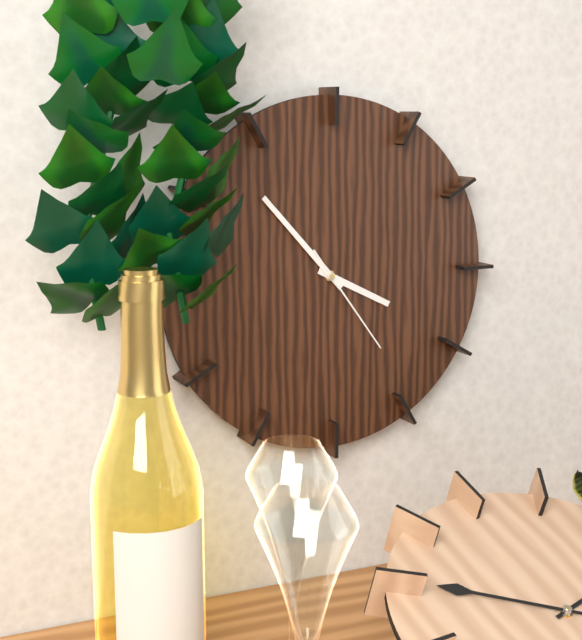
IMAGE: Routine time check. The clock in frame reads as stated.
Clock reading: 3:53:24
